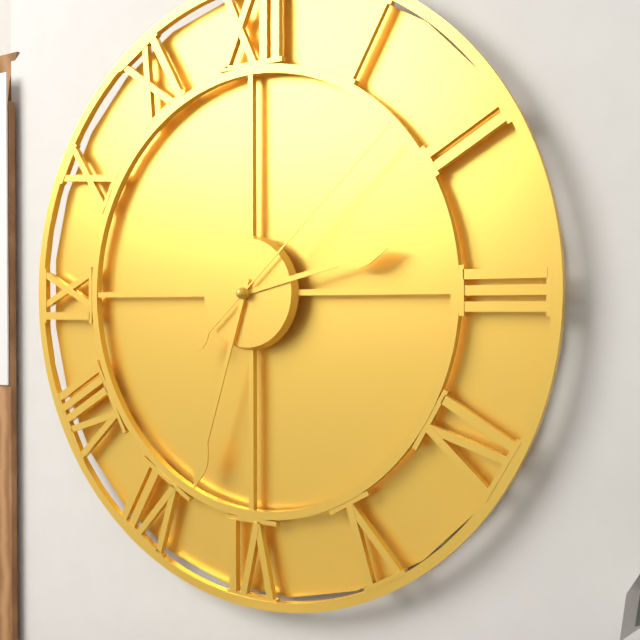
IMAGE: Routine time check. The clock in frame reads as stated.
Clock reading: 2:33:08
